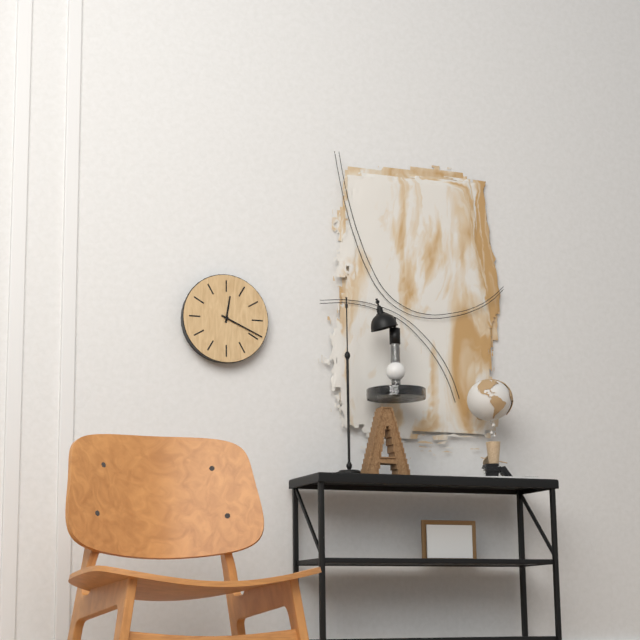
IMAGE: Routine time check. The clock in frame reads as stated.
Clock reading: 12:19
